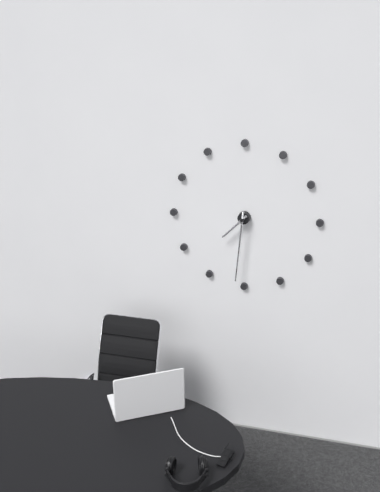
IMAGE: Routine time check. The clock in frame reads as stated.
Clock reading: 7:31
